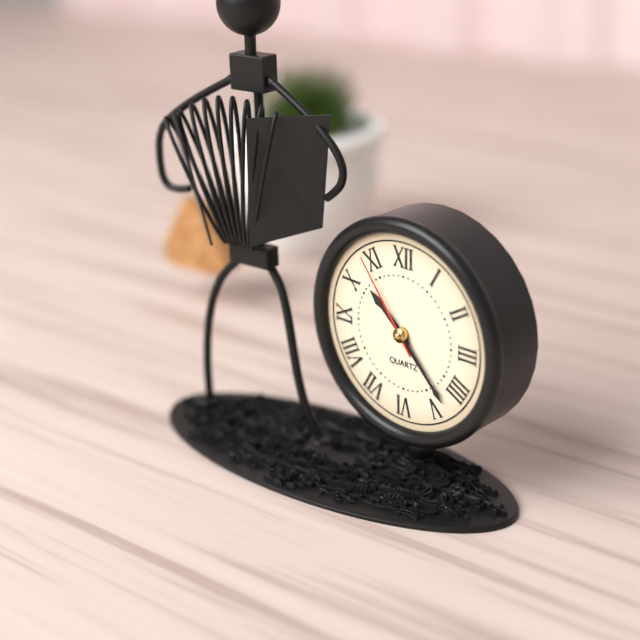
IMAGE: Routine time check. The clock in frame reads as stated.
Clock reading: 10:23:54
